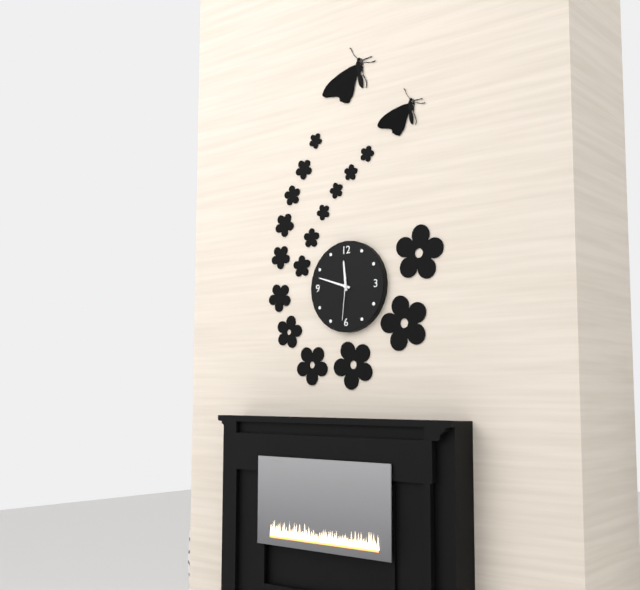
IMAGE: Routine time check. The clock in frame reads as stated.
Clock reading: 11:48
